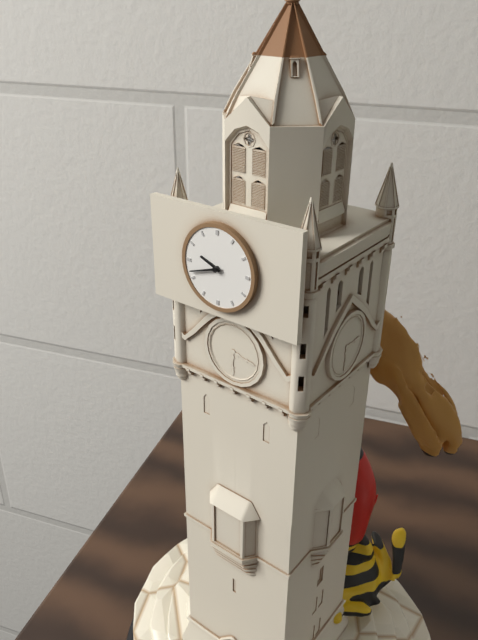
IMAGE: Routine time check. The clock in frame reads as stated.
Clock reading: 9:42
